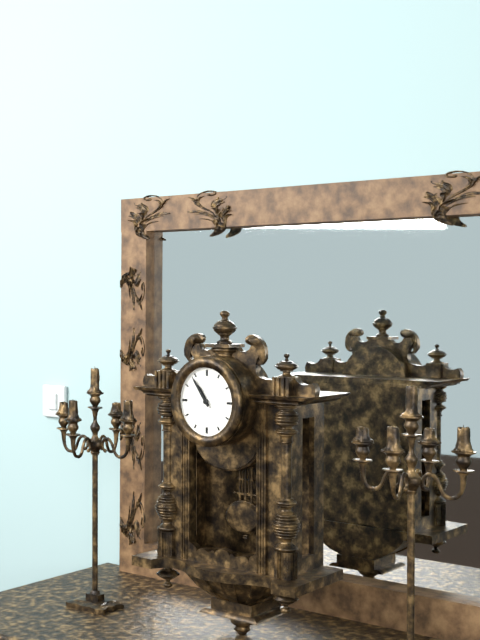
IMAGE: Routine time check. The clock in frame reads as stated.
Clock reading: 10:54
